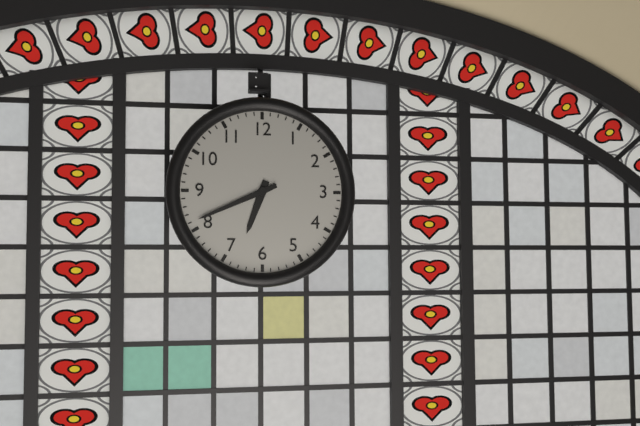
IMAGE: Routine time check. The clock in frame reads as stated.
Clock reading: 6:41
